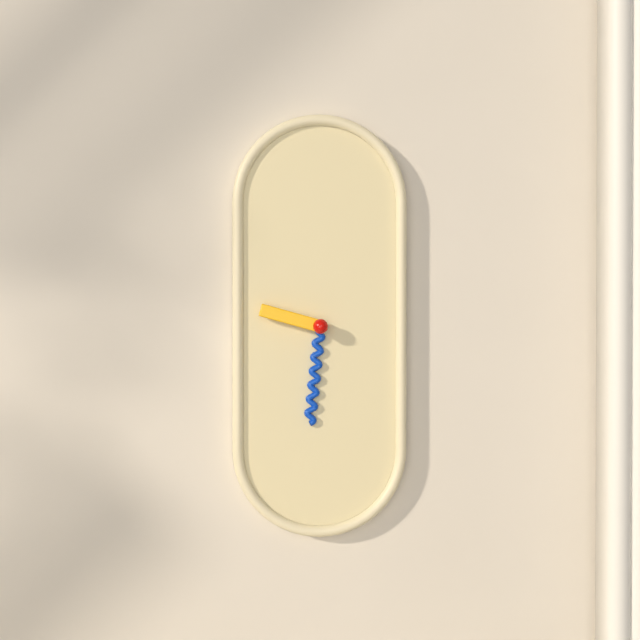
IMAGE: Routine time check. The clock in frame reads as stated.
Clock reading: 9:31
